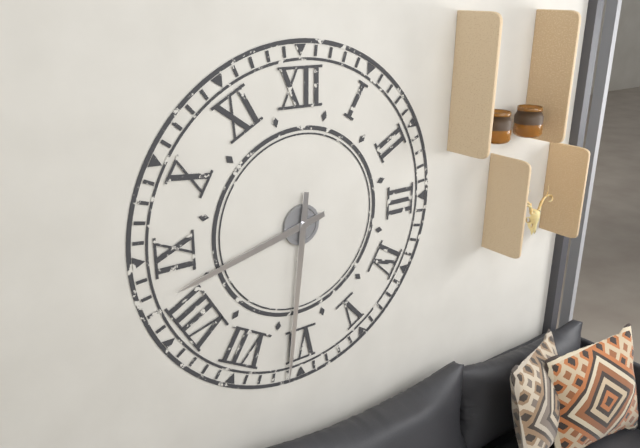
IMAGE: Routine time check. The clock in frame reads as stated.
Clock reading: 8:31
